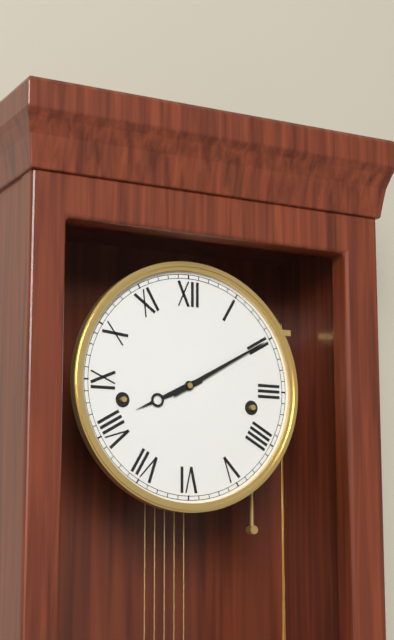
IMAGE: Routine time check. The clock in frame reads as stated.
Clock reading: 8:10
